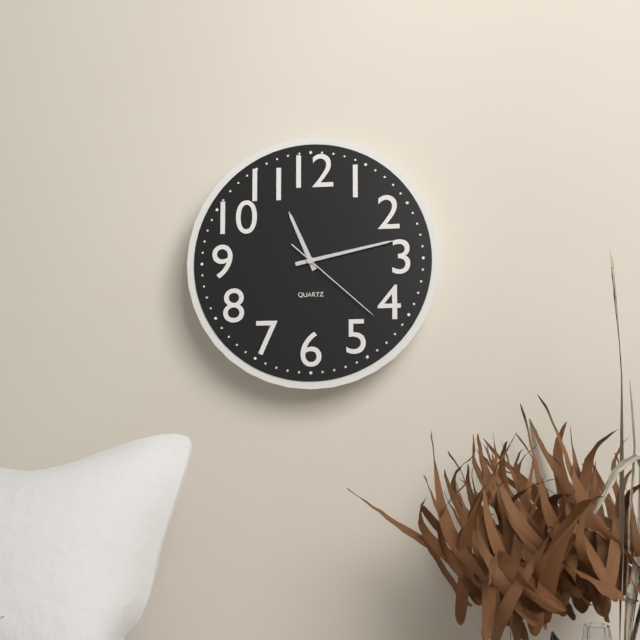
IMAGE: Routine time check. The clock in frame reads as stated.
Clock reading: 11:13:22
